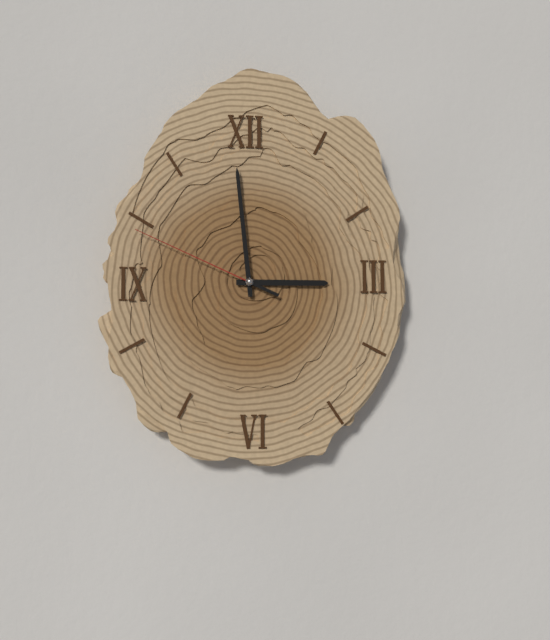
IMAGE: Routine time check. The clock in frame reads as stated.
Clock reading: 2:59:49
